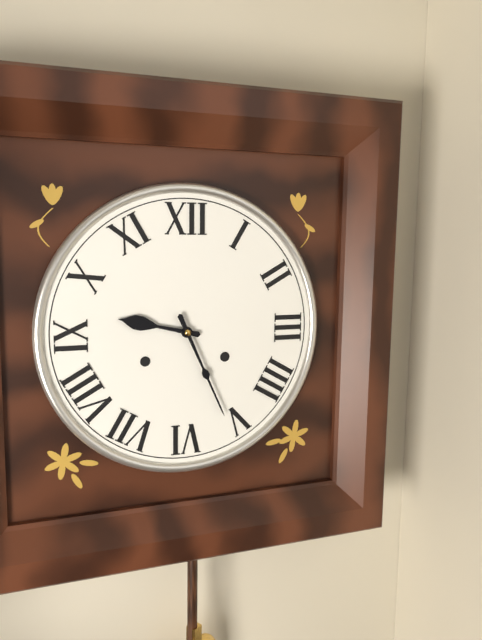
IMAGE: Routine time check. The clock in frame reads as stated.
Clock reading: 9:26
